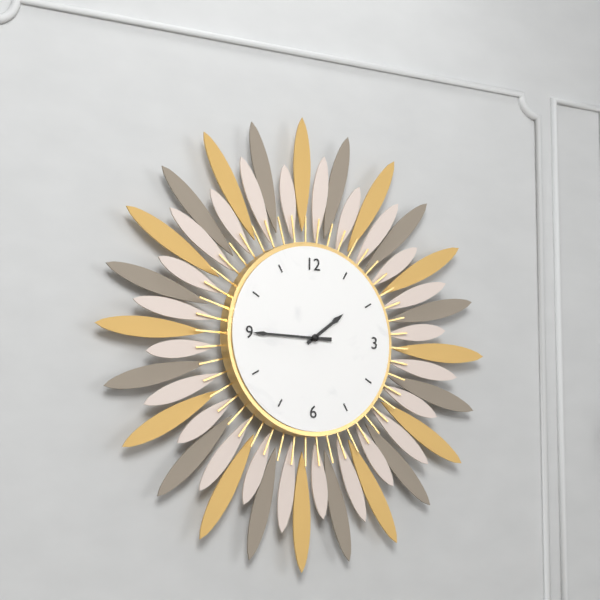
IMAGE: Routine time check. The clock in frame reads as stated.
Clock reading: 1:45
